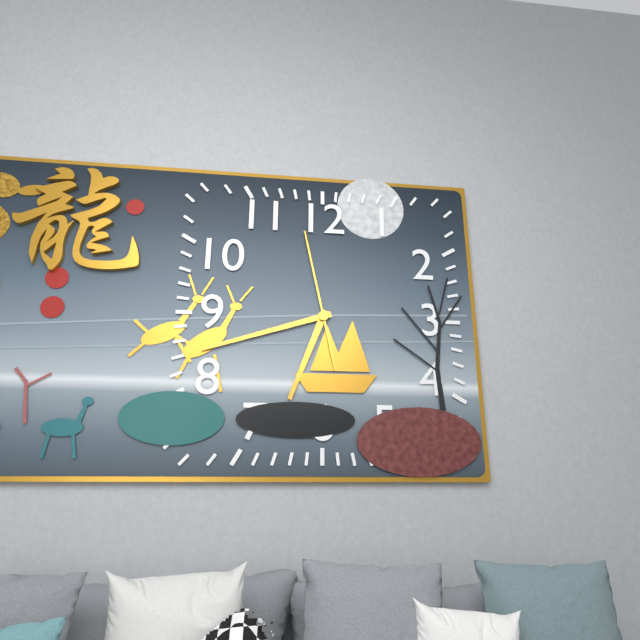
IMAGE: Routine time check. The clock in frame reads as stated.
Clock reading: 6:42:58
